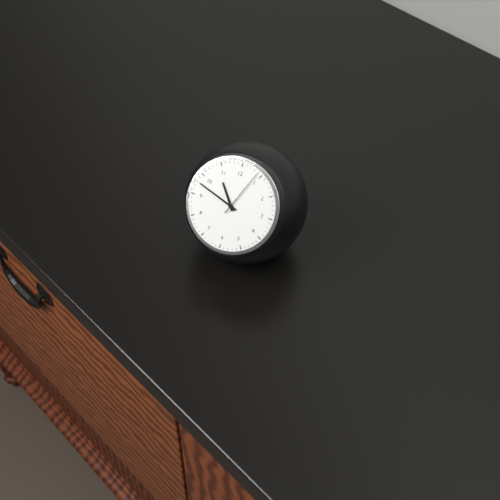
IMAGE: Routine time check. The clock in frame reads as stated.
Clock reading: 10:48:04
